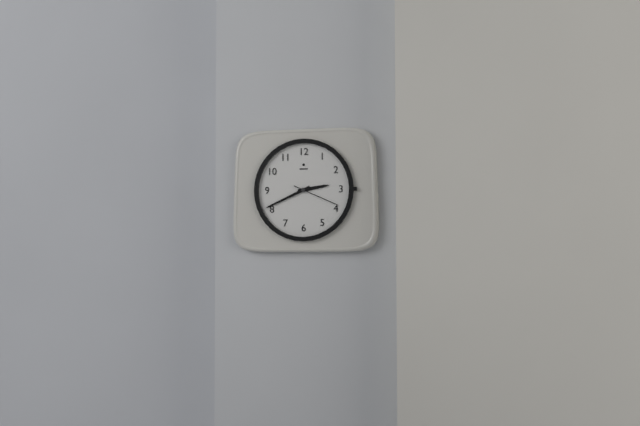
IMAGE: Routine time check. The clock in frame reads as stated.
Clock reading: 2:41
